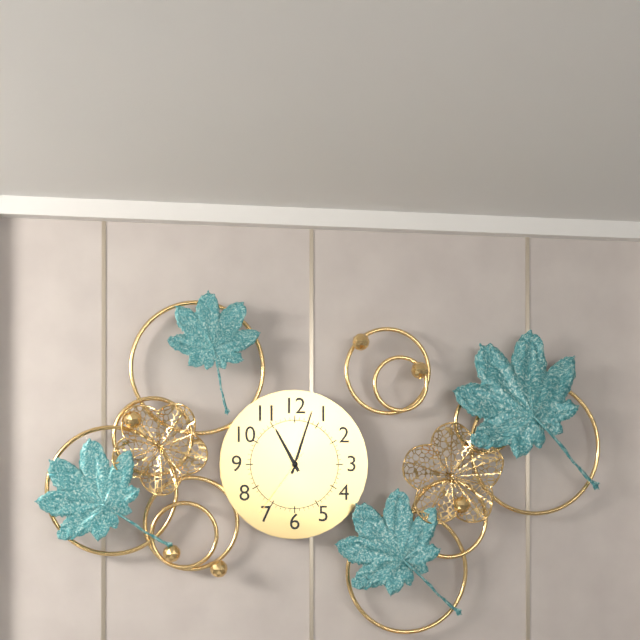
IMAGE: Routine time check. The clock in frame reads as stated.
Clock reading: 11:03:36
